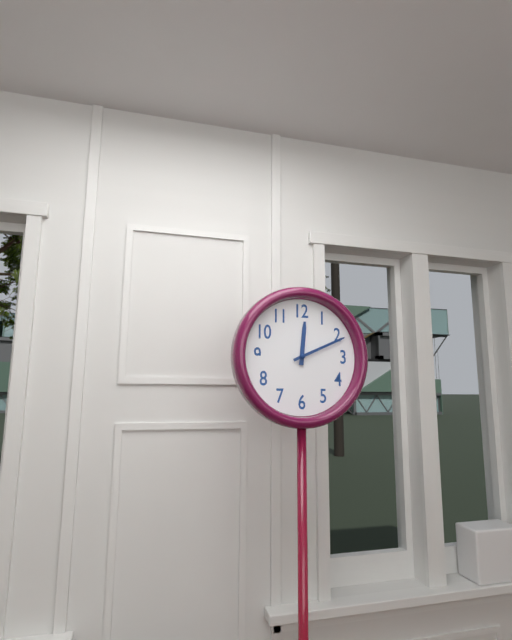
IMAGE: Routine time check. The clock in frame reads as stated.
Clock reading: 12:11
